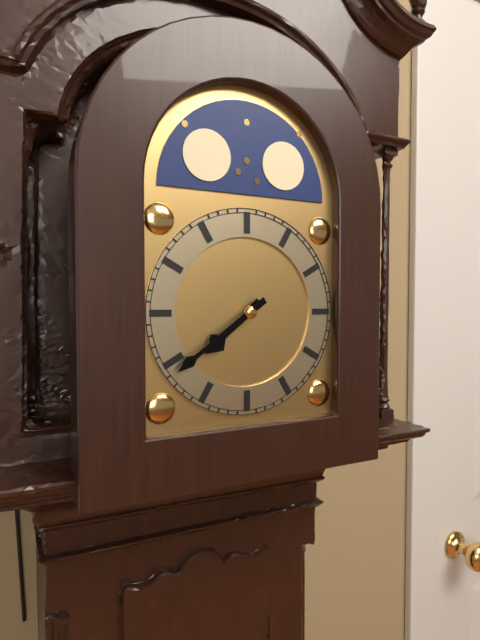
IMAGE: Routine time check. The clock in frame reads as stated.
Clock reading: 7:39
